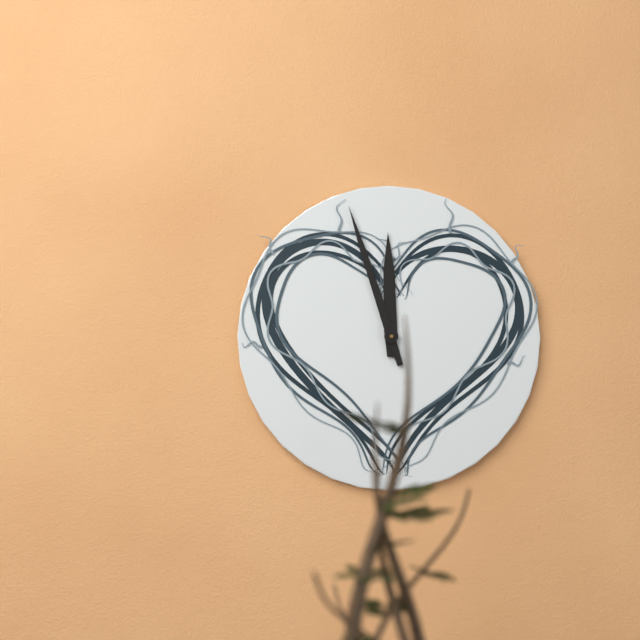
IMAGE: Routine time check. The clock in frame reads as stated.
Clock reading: 11:57
